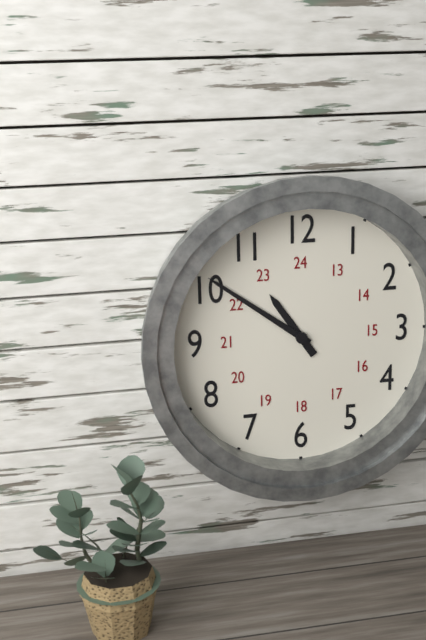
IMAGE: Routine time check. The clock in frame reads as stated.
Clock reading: 10:51
